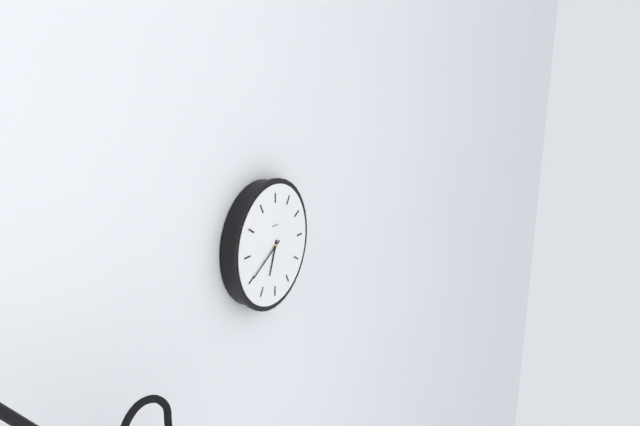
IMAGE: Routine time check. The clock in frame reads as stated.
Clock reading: 6:40
